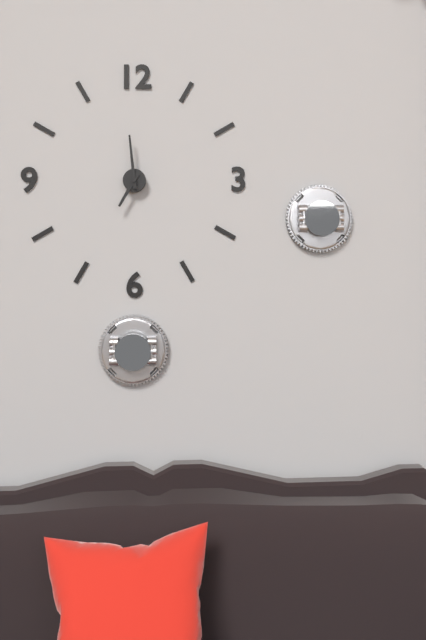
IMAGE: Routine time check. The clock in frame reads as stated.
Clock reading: 6:59
